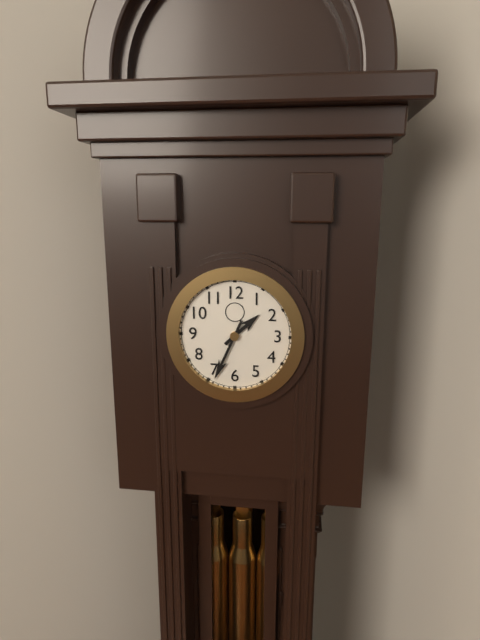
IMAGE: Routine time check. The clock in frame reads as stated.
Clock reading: 1:34
